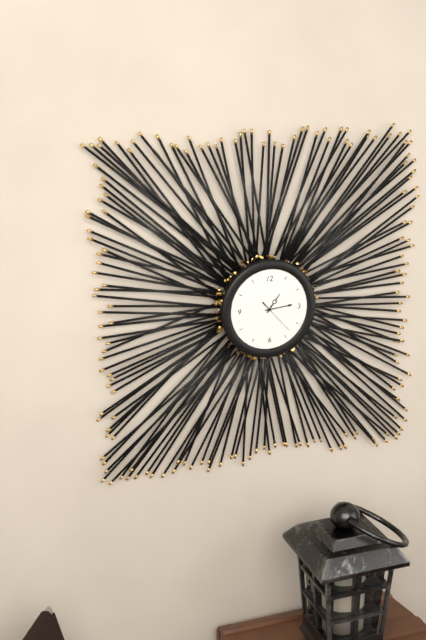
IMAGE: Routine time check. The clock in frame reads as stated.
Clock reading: 1:14
